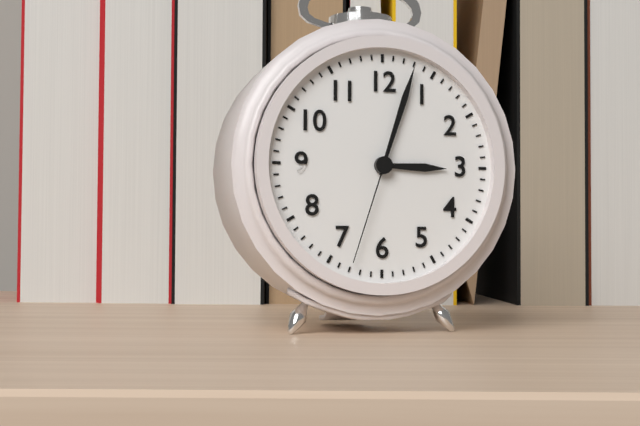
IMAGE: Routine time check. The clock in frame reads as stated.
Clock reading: 3:03:33
